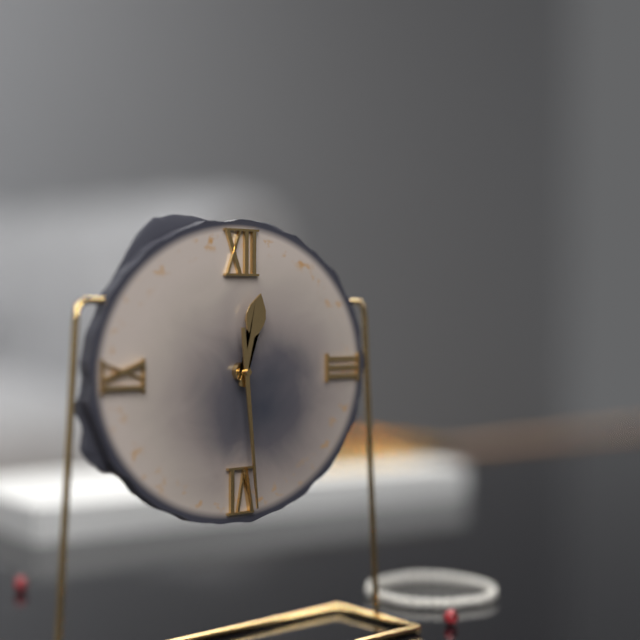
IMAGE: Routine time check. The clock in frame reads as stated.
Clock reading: 12:29
